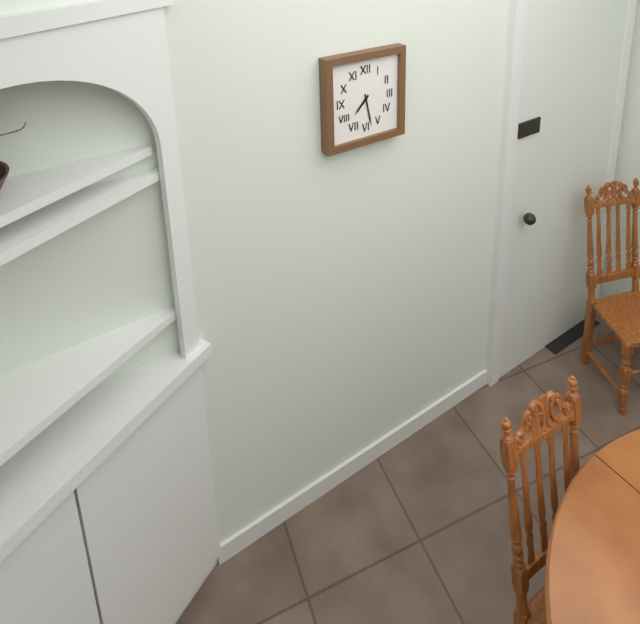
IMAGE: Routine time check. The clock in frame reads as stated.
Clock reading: 7:28
